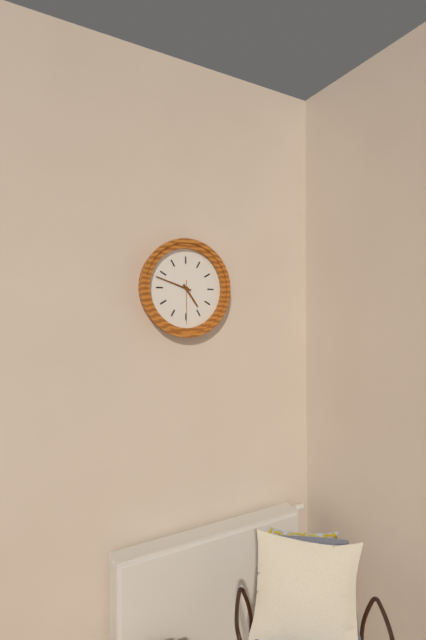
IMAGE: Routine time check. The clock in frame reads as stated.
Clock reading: 4:48
